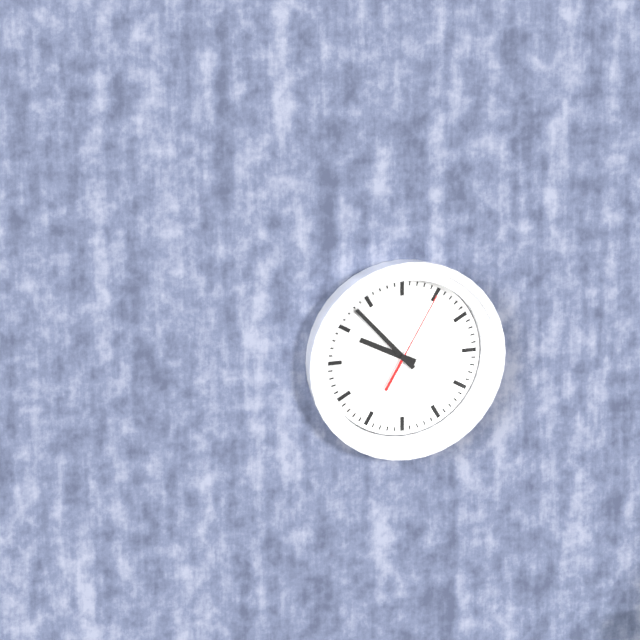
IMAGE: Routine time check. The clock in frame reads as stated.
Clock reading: 9:53:05
